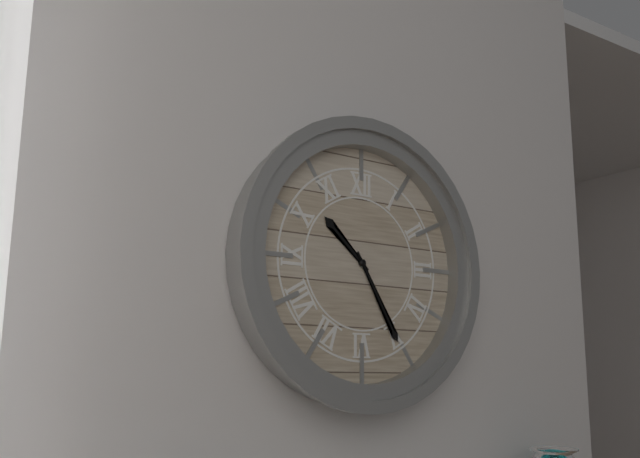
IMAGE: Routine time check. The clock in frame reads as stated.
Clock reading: 10:25
